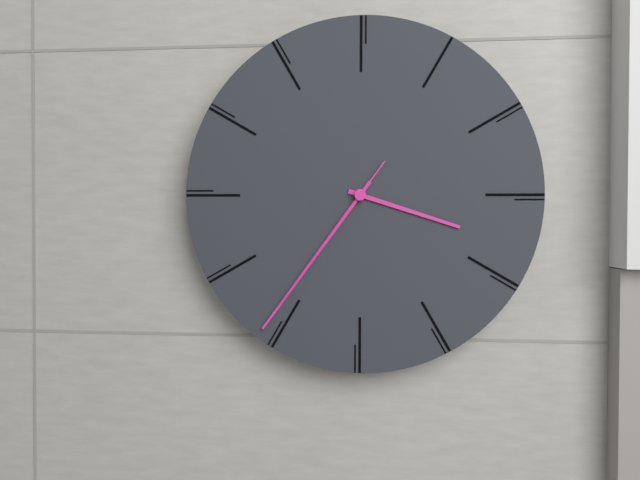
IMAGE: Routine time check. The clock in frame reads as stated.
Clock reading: 3:36:36
